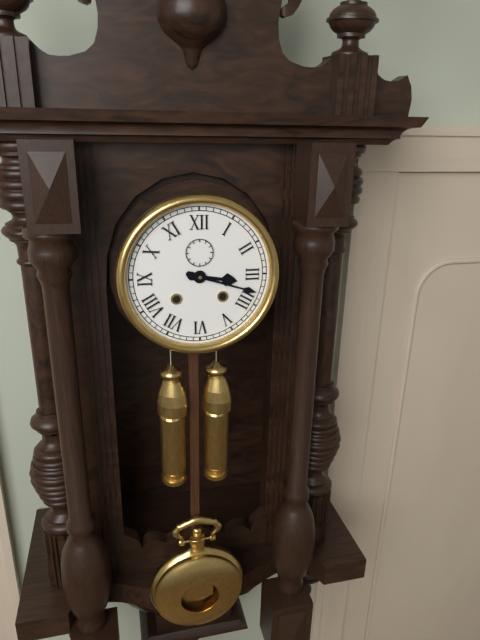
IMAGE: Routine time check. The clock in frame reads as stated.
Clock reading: 3:18
